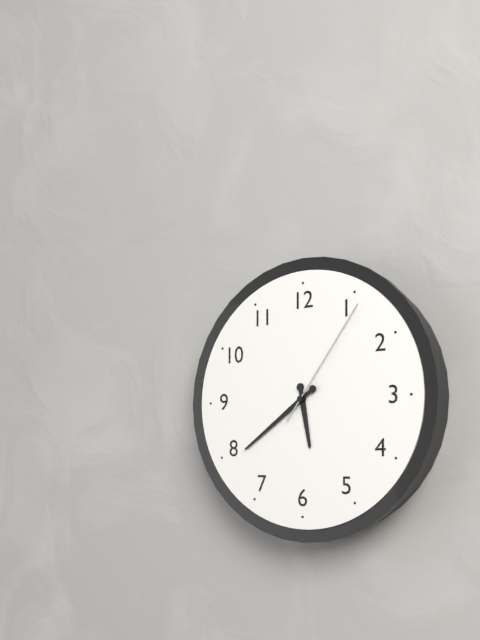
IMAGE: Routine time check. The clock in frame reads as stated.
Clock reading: 5:39:06
